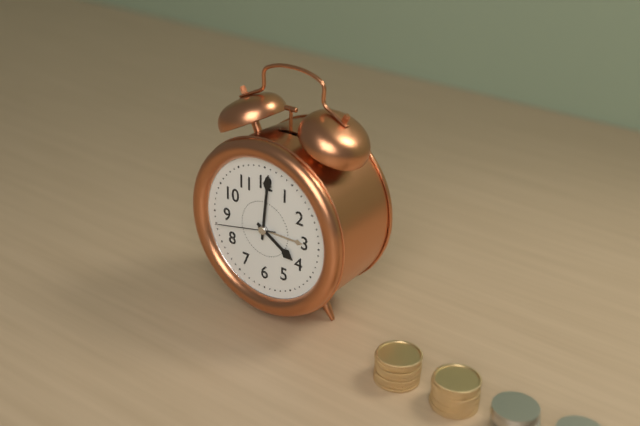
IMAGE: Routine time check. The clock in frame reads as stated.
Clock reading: 4:01:43
